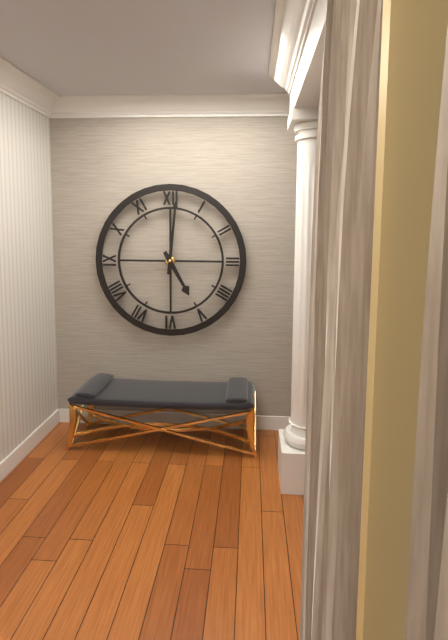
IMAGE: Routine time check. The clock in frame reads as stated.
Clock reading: 5:01
